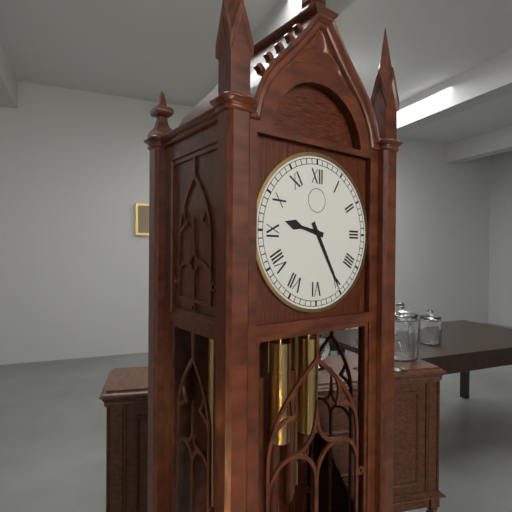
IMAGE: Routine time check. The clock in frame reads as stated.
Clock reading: 9:25
